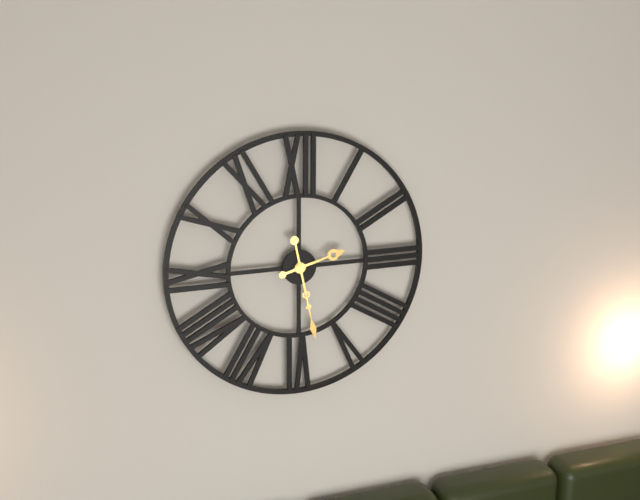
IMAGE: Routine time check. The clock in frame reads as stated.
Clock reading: 2:28
